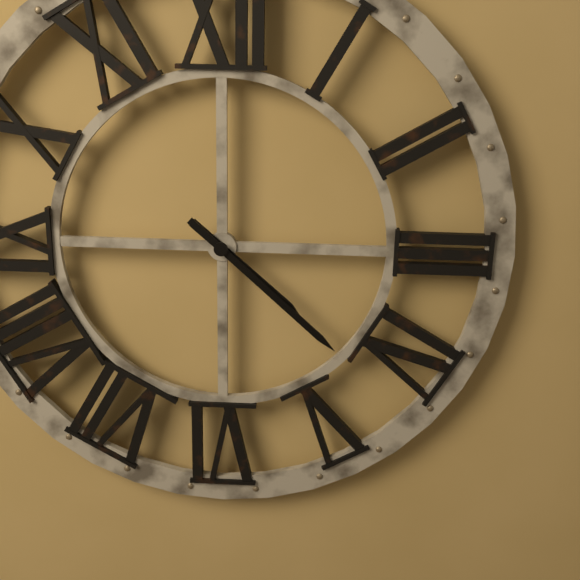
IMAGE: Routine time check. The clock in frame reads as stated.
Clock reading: 4:22
